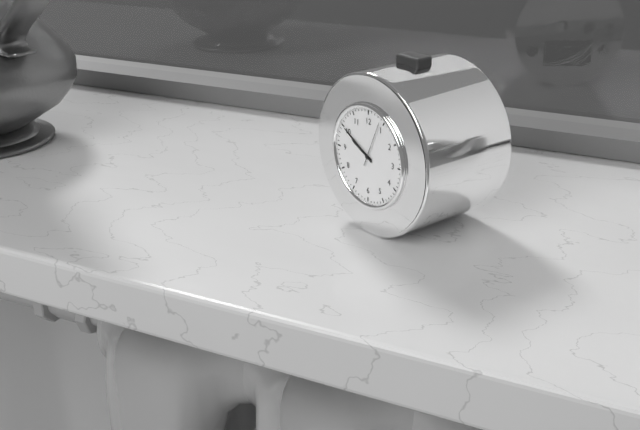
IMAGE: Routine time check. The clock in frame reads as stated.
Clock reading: 9:50
